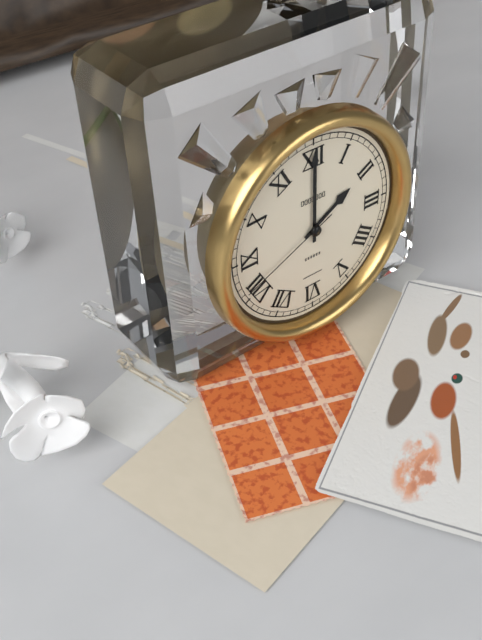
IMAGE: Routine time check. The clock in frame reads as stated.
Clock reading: 2:00:41
